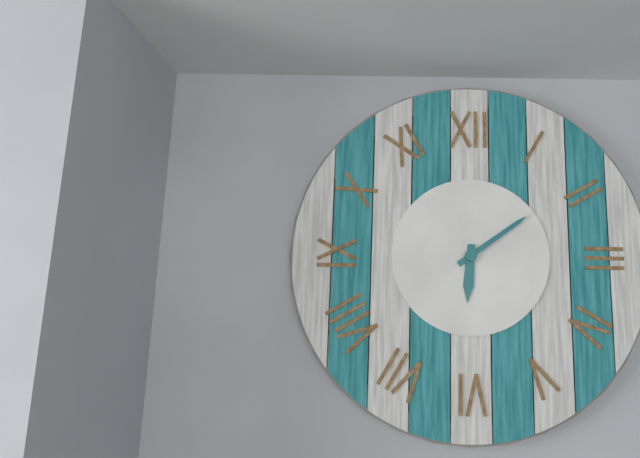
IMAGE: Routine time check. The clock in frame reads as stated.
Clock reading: 6:09
